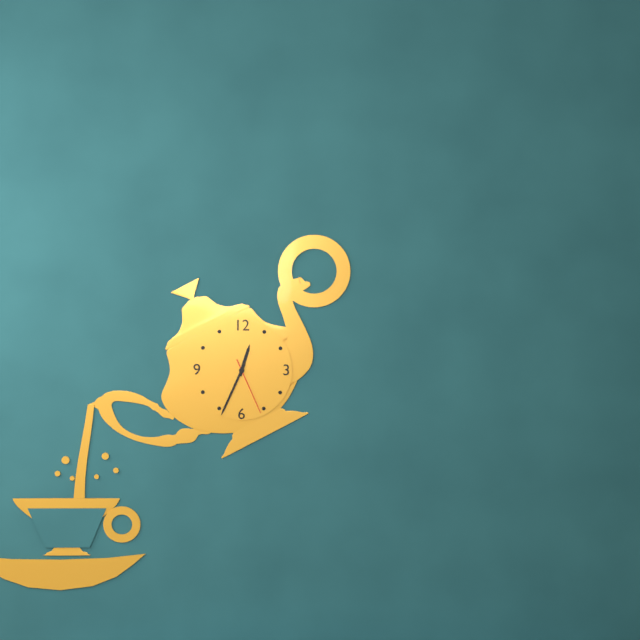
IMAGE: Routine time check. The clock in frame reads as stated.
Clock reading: 12:34:26
